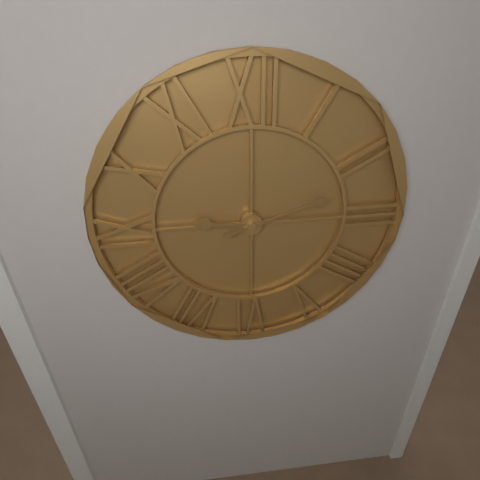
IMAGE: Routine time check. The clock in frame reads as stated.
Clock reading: 9:12
